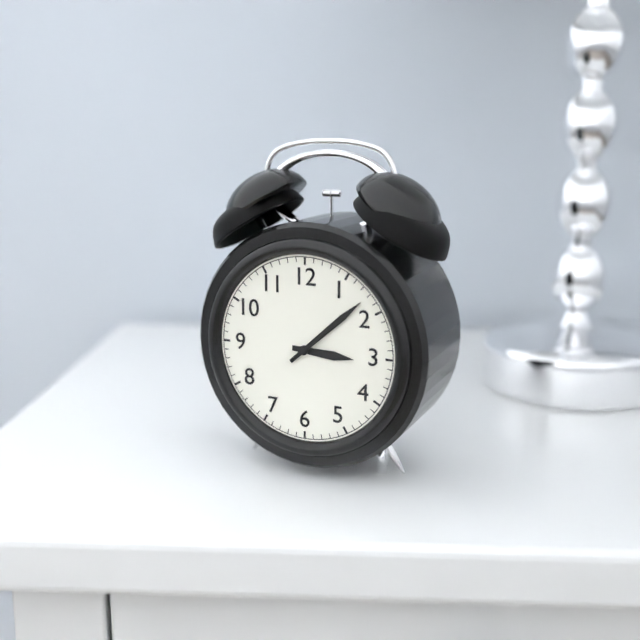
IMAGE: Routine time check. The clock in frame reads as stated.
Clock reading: 3:08
